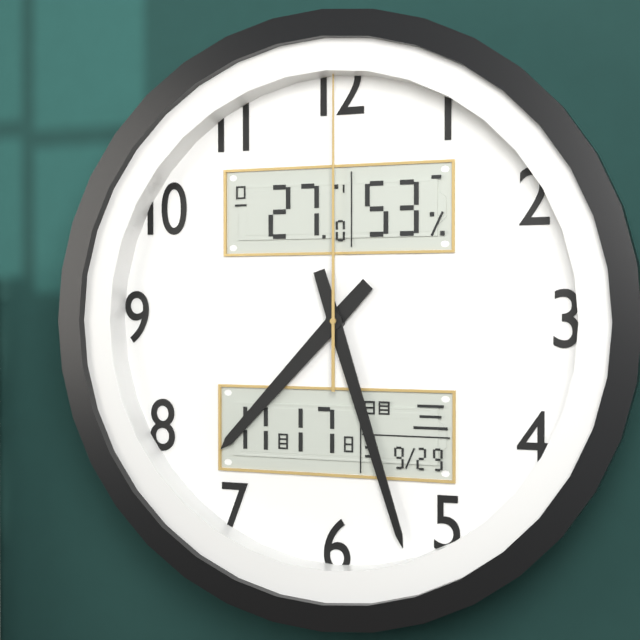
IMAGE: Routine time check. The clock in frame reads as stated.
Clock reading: 7:27:00
